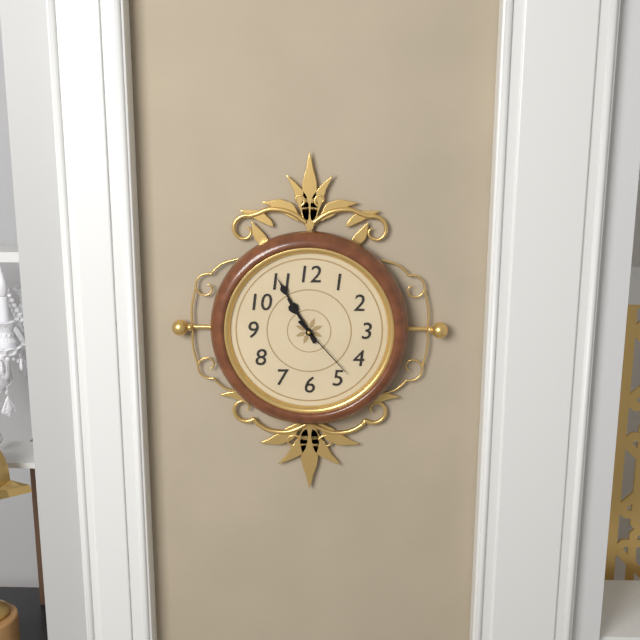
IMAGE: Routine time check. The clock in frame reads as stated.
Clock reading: 10:55:23
